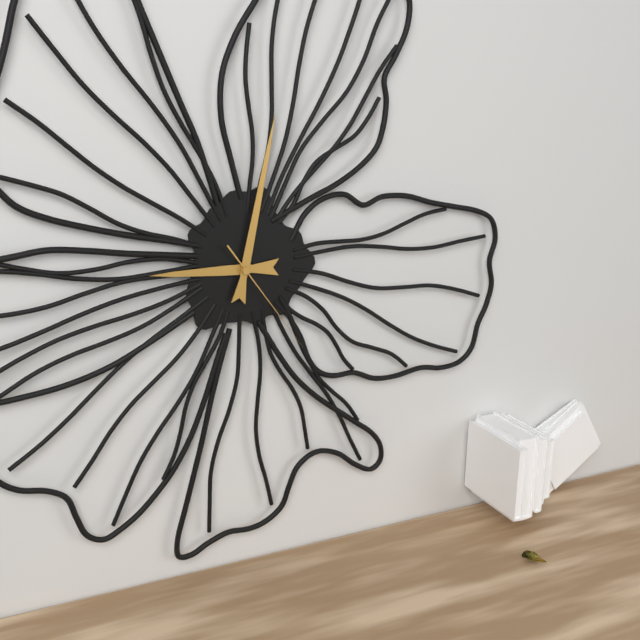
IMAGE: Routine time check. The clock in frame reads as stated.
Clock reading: 9:02:24
